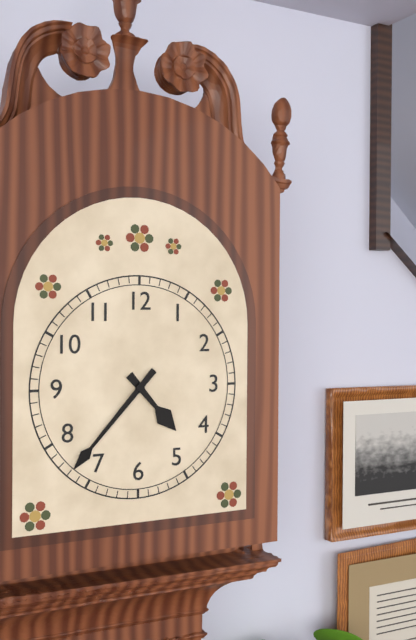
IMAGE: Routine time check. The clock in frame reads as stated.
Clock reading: 4:37
